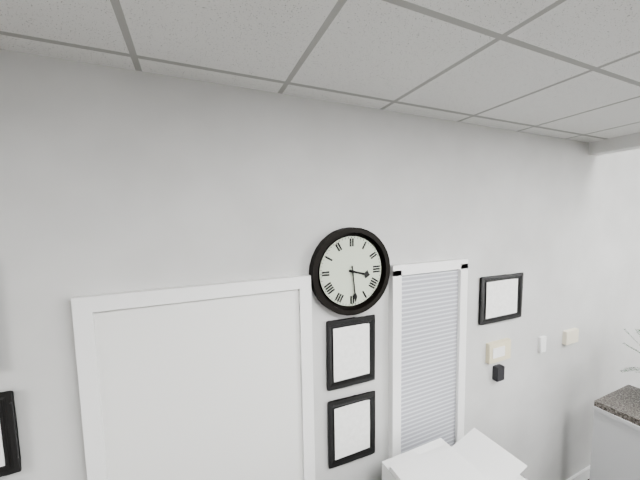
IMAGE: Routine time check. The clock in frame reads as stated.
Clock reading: 3:29
